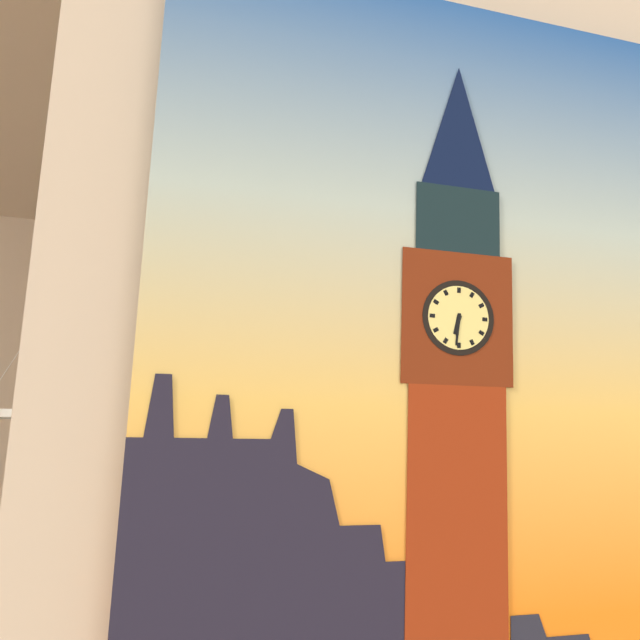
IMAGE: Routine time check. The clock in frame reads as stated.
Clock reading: 6:31
